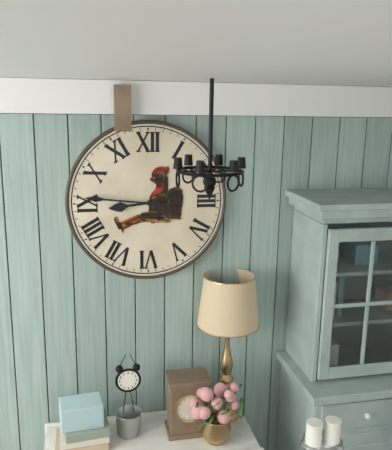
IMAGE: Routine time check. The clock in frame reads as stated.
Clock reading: 8:46
